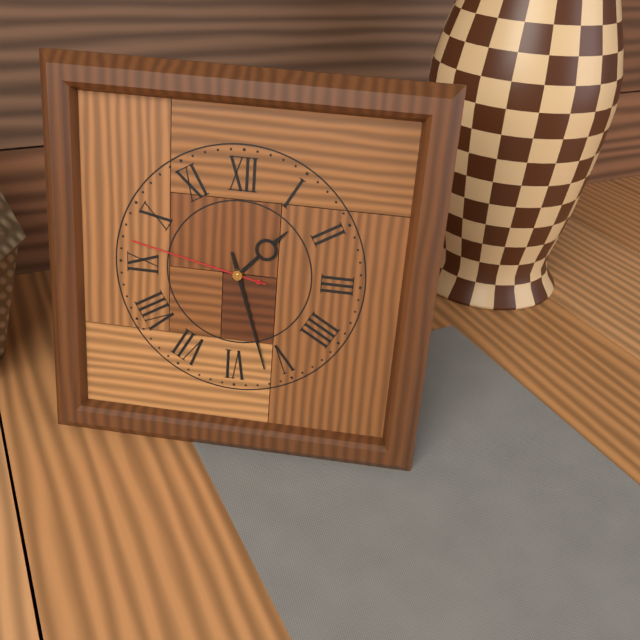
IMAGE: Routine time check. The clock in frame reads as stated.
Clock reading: 1:27:47
